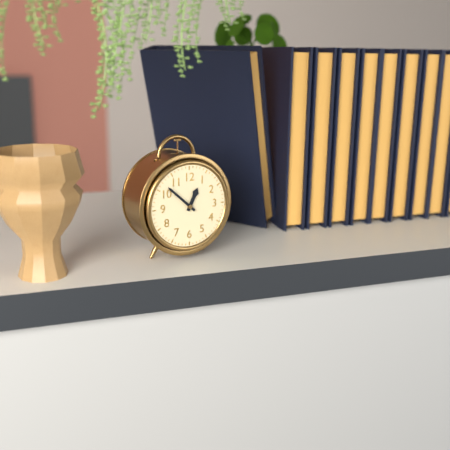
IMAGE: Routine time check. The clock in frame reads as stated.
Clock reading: 12:52
